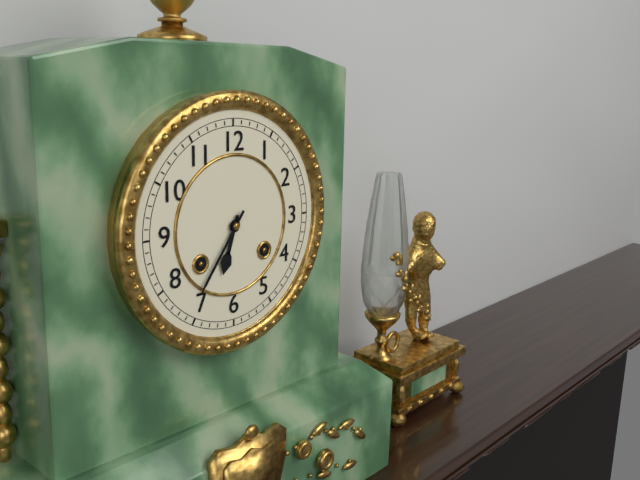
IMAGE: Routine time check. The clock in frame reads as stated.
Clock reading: 6:36
